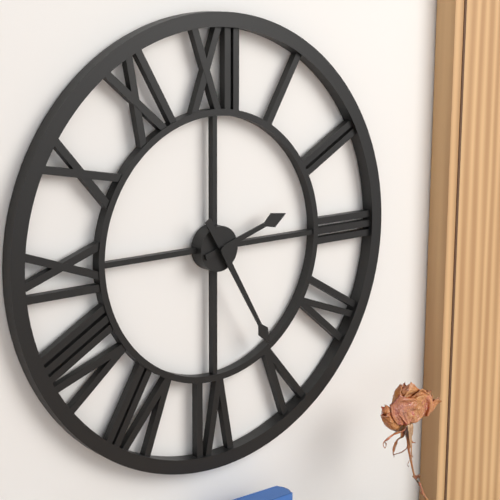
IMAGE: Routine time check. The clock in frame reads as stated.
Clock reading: 2:25
